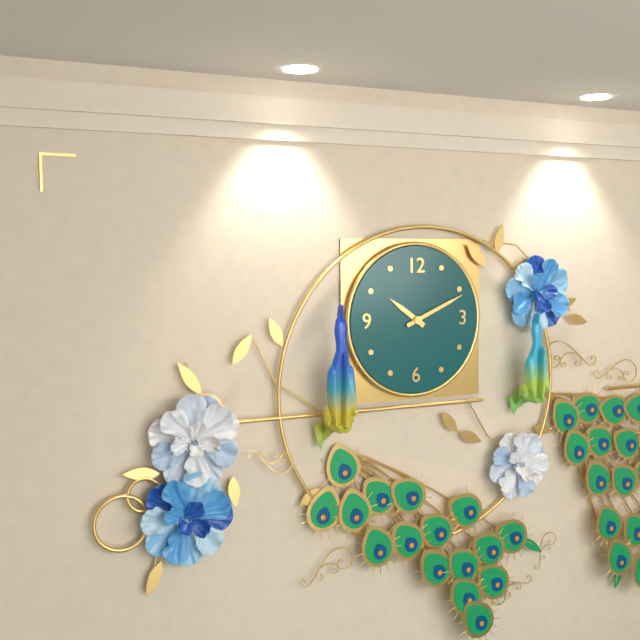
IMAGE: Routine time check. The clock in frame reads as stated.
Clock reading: 10:11
